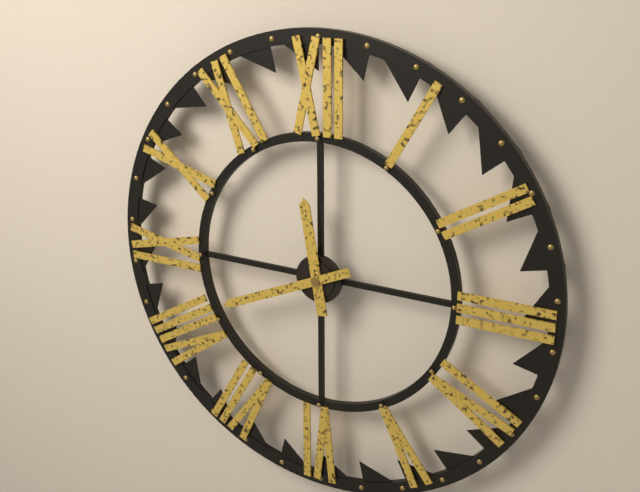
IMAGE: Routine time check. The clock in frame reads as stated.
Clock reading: 11:41
